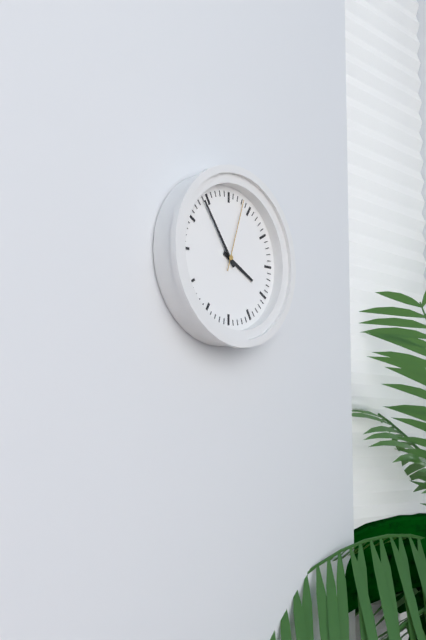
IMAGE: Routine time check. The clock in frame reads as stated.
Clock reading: 3:54:03
